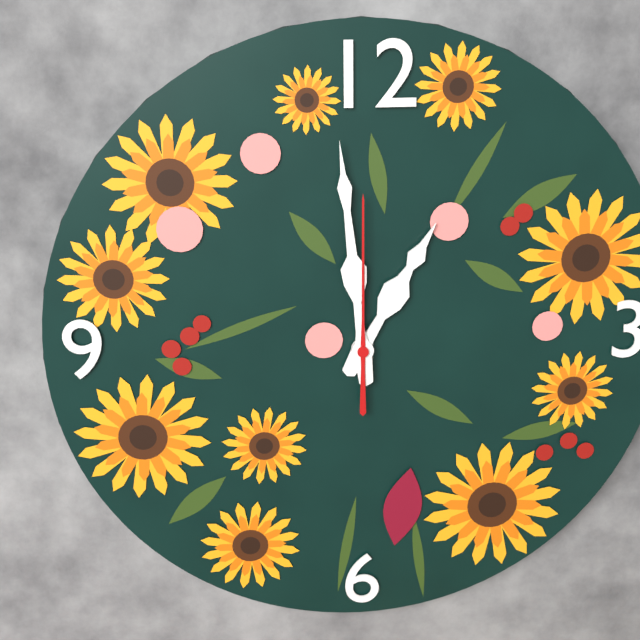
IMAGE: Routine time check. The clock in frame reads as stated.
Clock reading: 12:59:00
